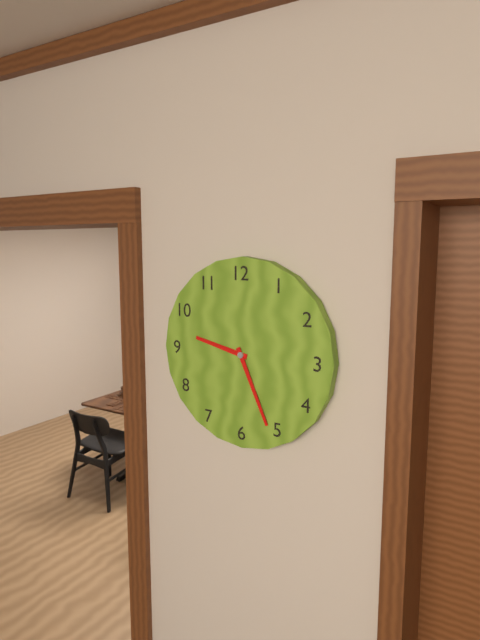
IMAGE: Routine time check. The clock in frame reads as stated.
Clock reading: 9:26
